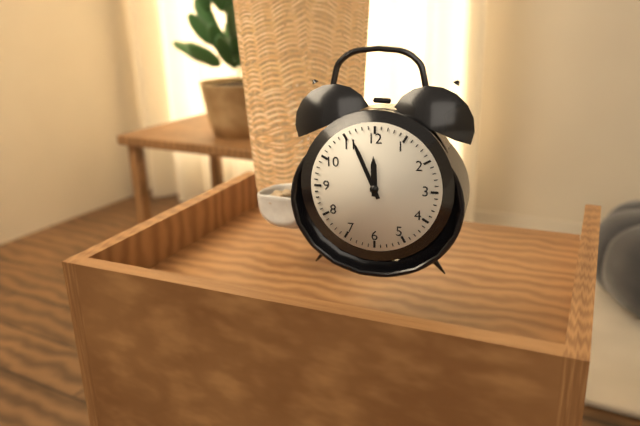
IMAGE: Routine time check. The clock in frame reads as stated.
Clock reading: 11:56
